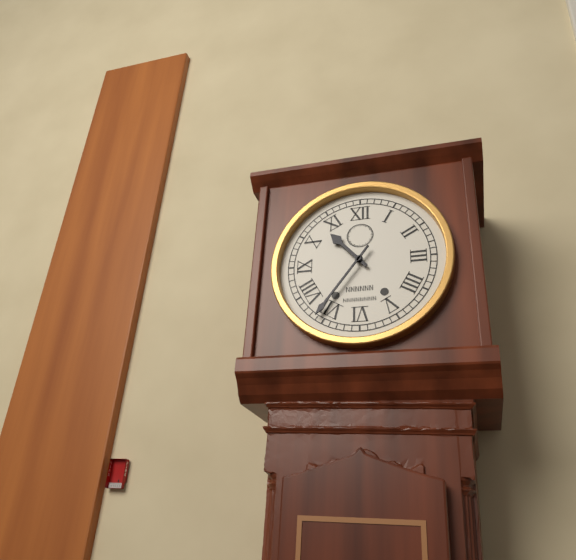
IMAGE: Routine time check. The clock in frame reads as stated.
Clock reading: 10:36
